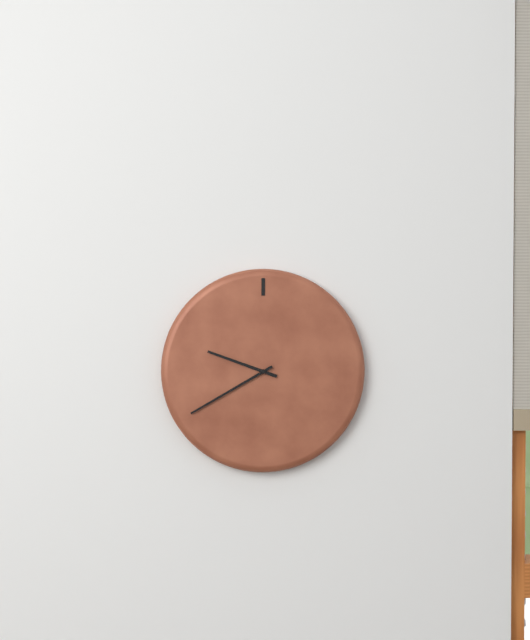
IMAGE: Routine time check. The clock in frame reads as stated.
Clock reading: 9:40
